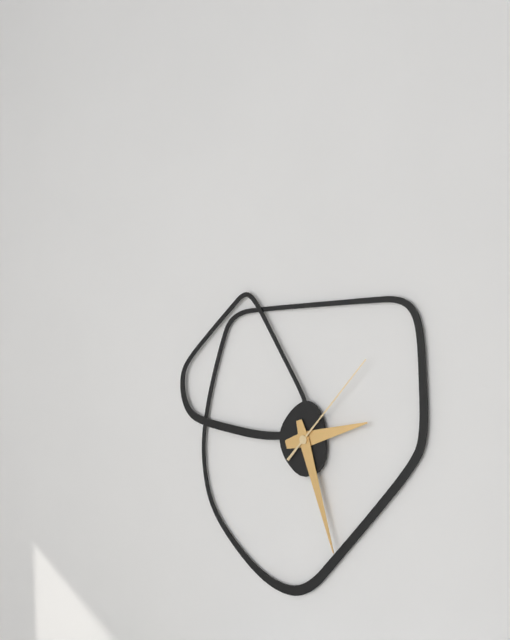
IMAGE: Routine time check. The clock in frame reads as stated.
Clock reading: 2:27:07
